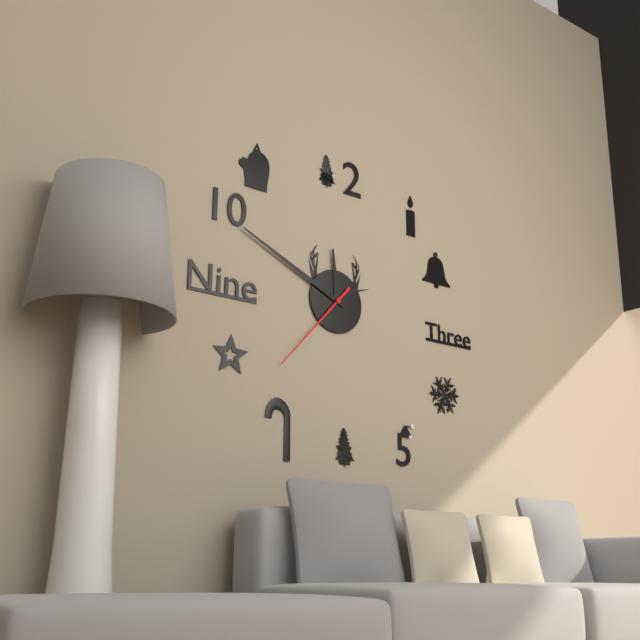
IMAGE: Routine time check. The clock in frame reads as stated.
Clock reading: 11:49:37
